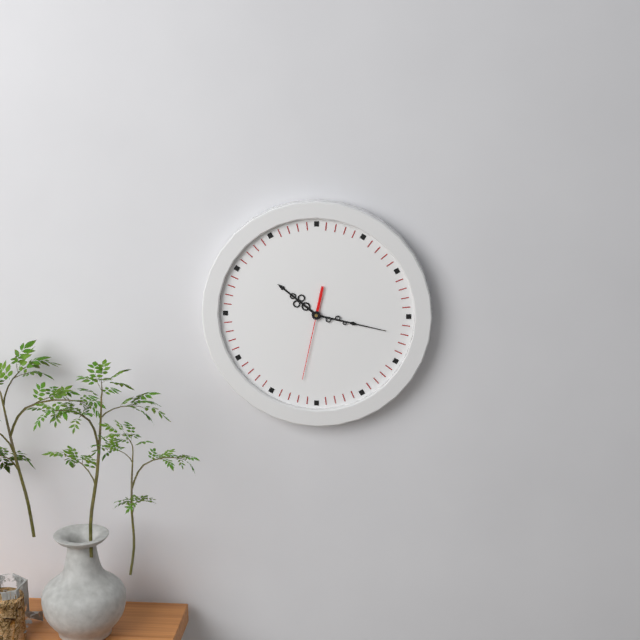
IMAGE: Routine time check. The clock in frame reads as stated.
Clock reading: 10:17:32
